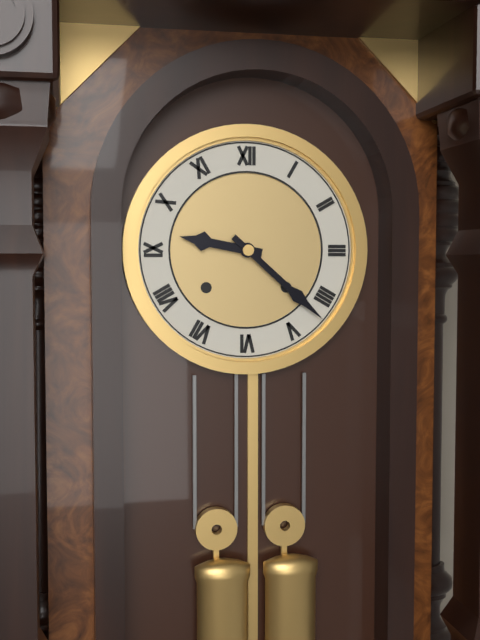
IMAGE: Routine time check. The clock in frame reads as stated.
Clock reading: 9:22
